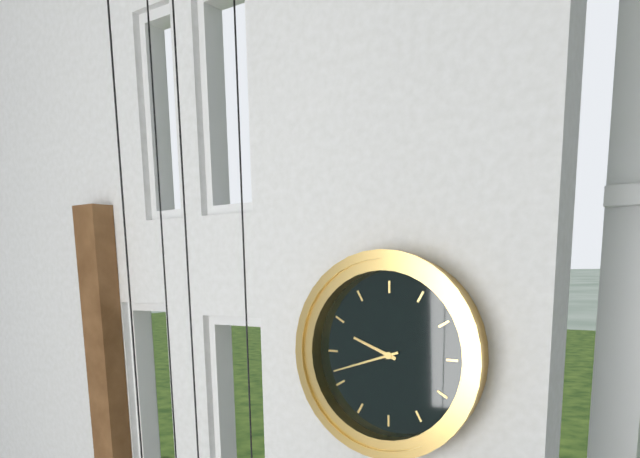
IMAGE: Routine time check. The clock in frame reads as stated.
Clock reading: 9:42
